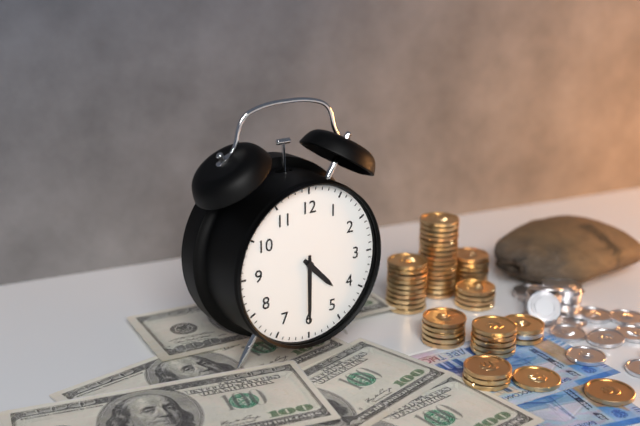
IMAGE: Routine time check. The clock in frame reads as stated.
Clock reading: 4:30
